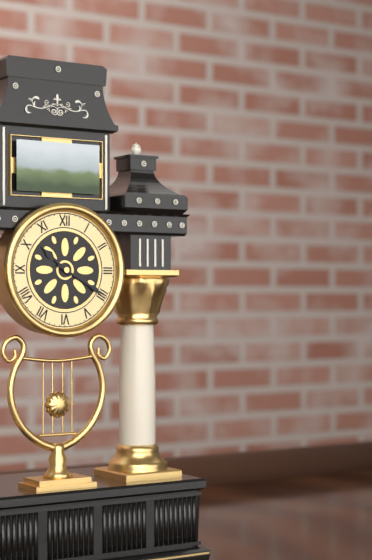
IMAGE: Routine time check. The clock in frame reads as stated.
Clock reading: 10:20
